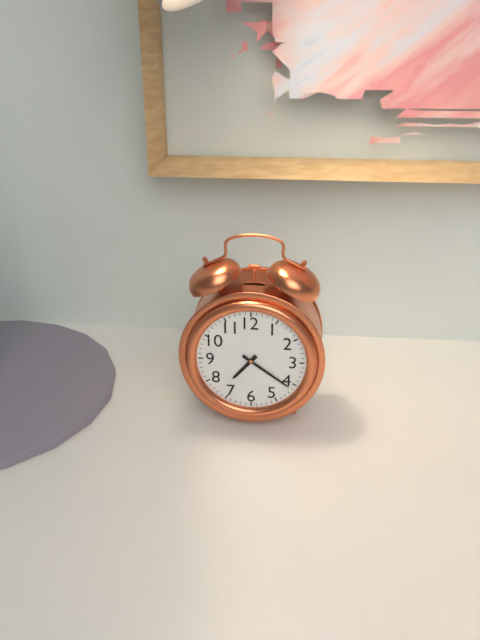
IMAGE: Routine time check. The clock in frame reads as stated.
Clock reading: 7:21
